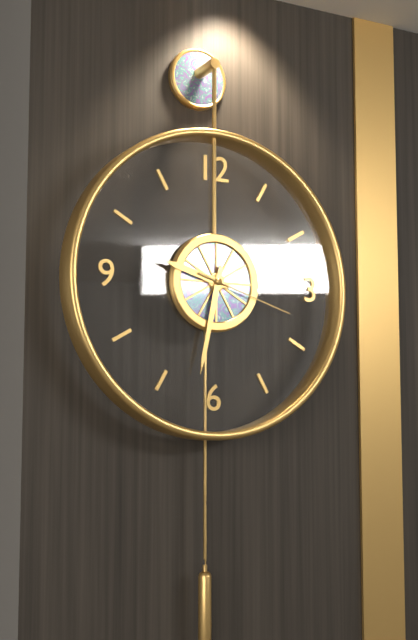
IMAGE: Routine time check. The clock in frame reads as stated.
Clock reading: 9:32:18
